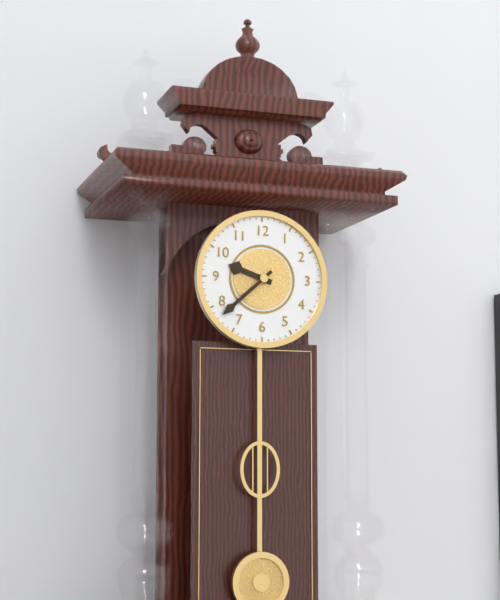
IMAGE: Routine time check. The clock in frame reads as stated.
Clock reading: 9:38
